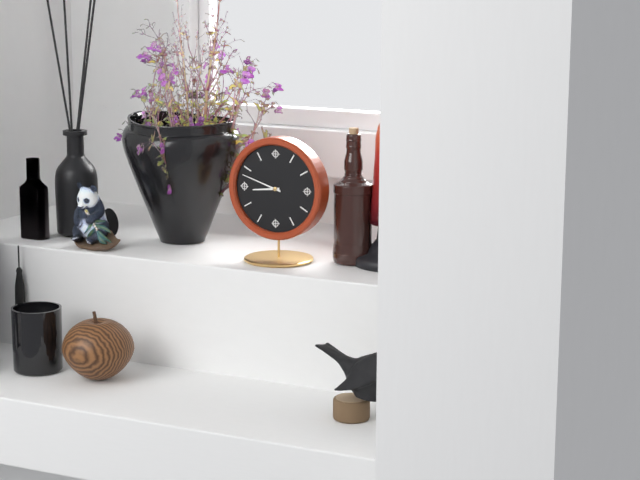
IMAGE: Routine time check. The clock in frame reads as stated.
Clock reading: 8:48
